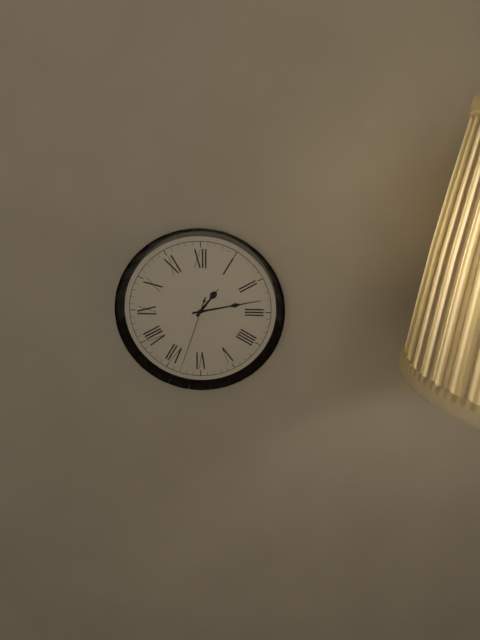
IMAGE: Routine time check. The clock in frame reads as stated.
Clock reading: 1:13:33
